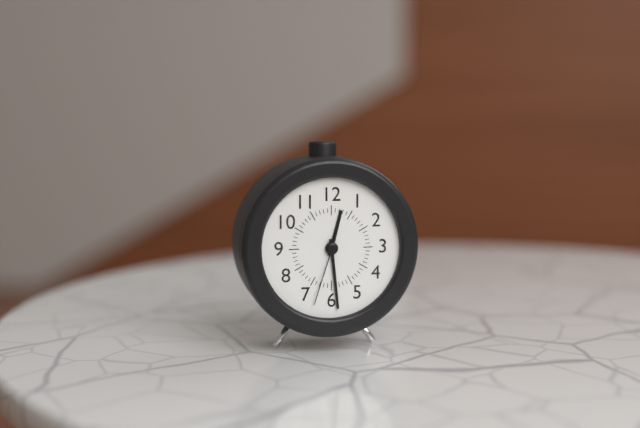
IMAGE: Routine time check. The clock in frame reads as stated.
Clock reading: 12:29:33
